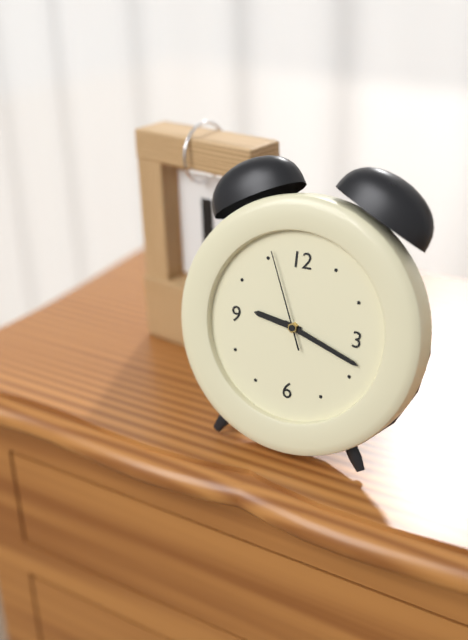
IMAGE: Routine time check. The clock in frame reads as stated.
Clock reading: 9:18:56
